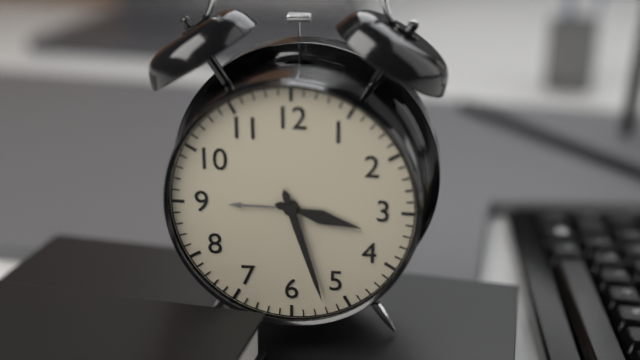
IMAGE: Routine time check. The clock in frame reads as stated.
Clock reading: 3:27
